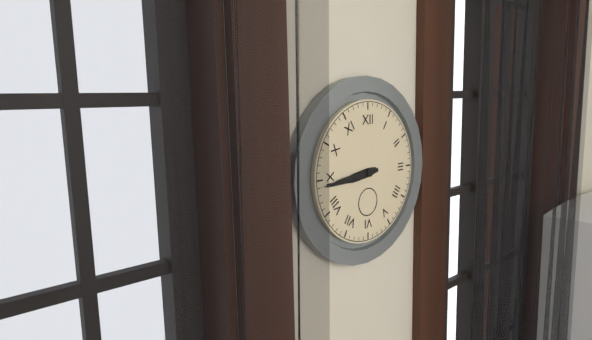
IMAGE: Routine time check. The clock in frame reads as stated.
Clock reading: 8:44
